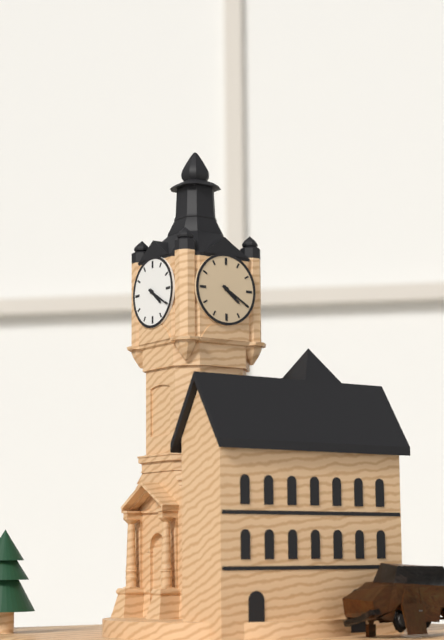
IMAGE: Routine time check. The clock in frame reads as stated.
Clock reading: 4:20
